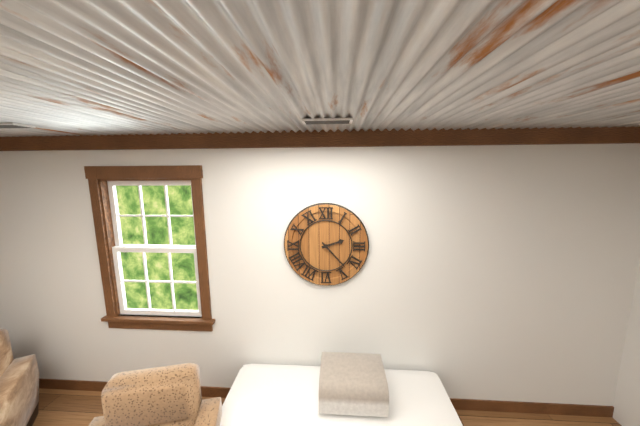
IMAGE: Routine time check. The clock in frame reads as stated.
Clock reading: 2:23
